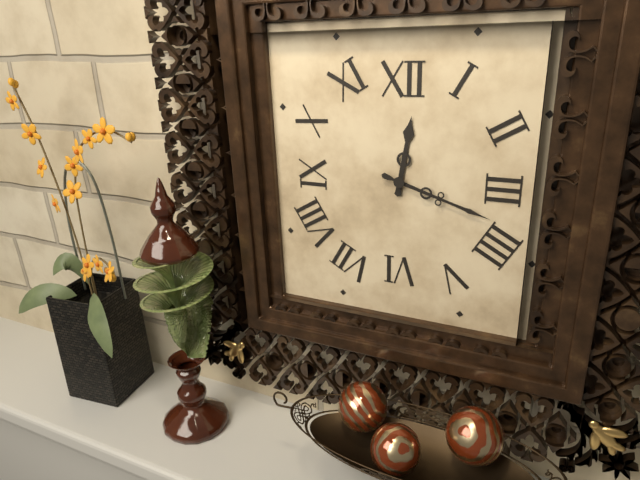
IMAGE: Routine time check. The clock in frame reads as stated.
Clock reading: 12:18
